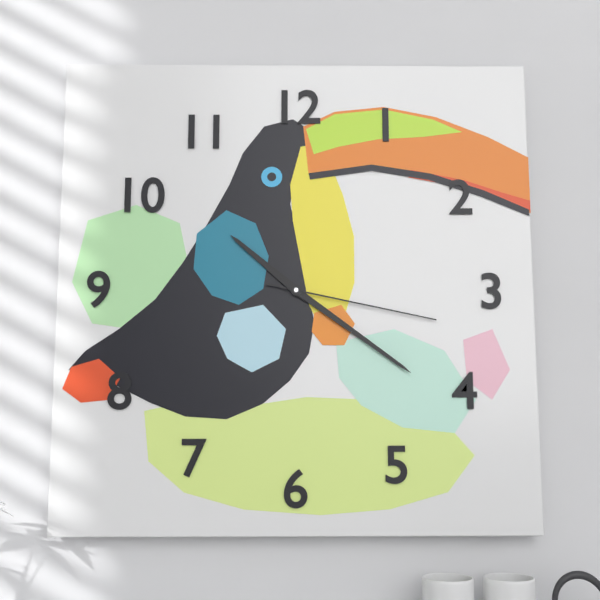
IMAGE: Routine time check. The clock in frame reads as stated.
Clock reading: 10:21:17
